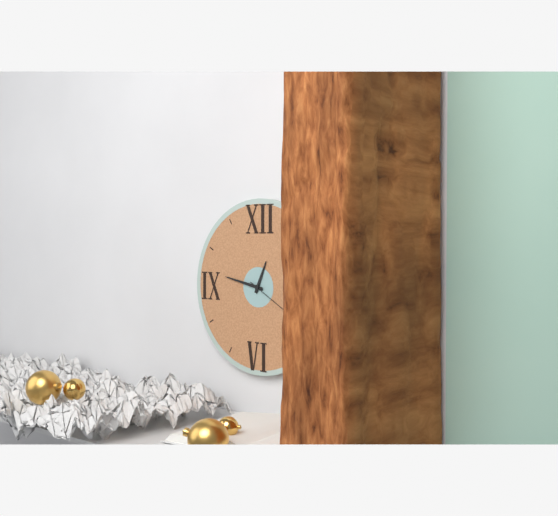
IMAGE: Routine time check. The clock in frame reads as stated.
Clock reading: 12:47
